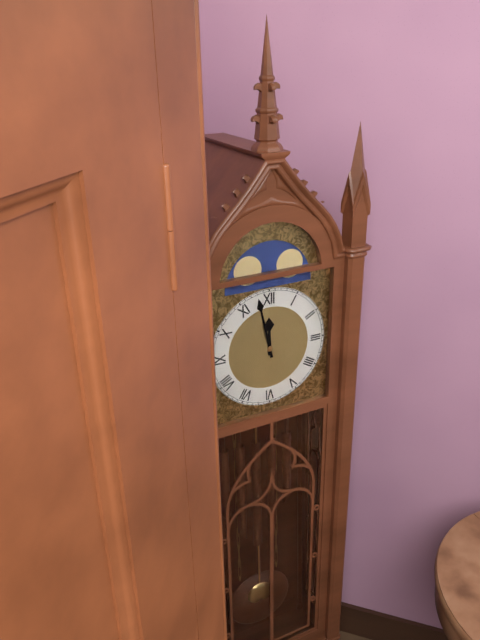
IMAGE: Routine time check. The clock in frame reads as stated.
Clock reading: 11:58
